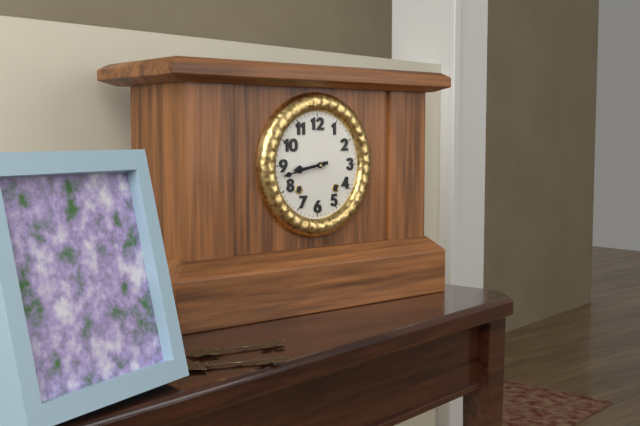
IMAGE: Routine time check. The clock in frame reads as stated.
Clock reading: 8:43
